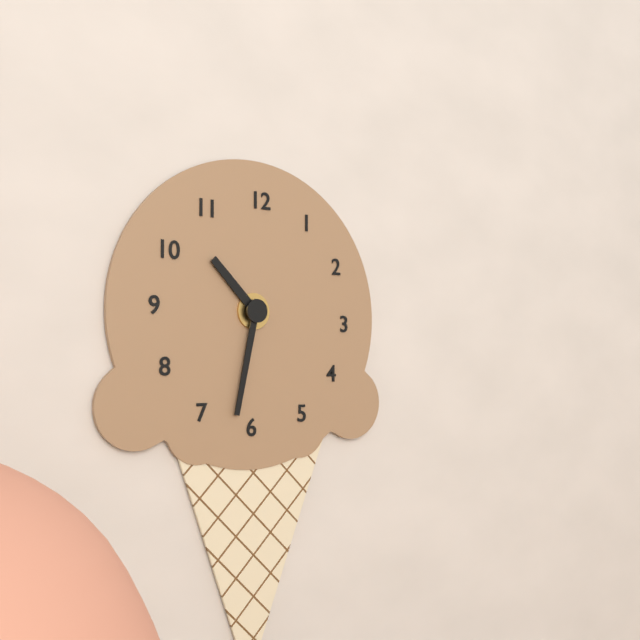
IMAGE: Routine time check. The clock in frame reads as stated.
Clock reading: 10:32
